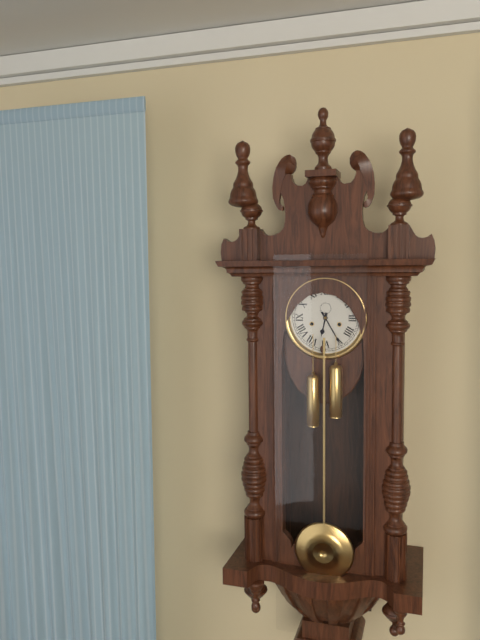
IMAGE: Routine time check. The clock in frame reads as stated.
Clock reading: 6:25
